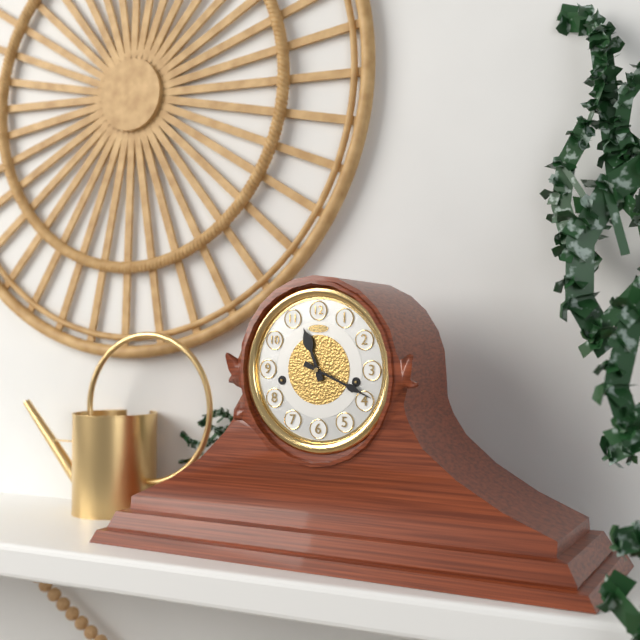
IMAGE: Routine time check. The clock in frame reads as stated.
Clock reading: 11:19
